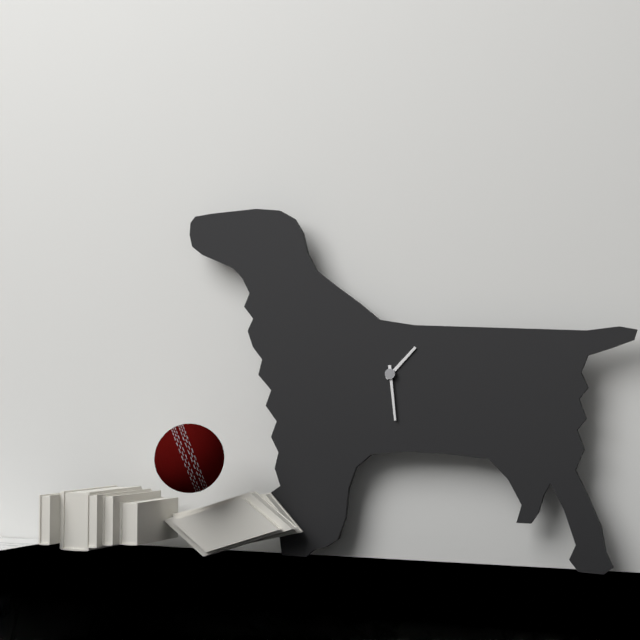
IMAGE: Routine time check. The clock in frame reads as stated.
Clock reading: 1:29
